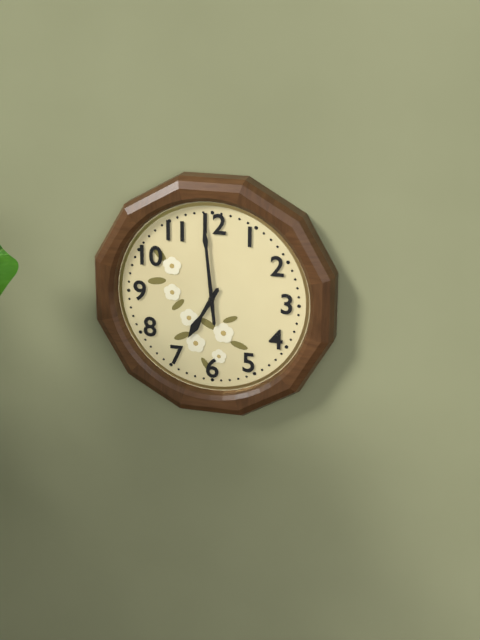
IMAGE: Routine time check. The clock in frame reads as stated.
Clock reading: 6:59
